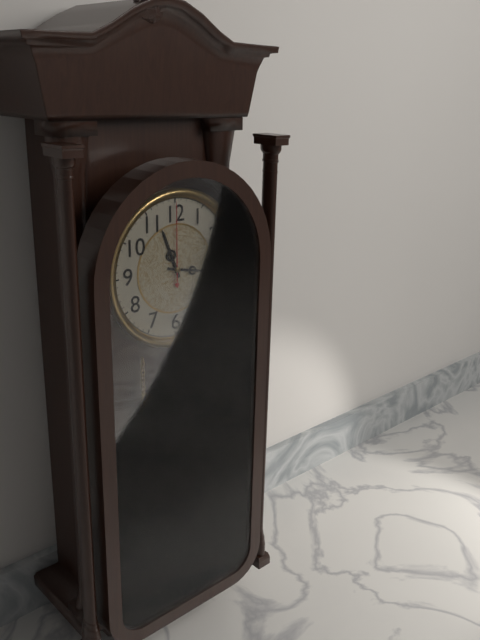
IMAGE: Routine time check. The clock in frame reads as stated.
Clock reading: 11:17:00
